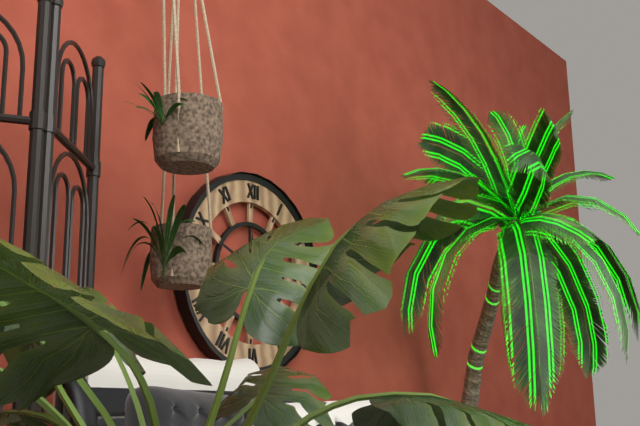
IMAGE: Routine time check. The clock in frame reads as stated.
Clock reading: 11:49
